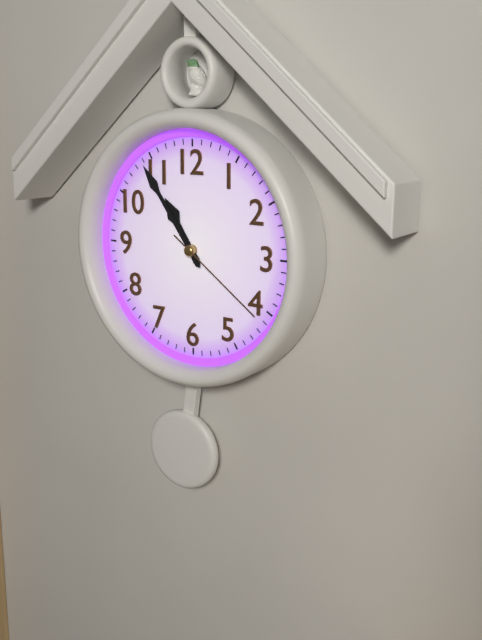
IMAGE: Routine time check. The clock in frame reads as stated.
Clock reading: 10:54:21
